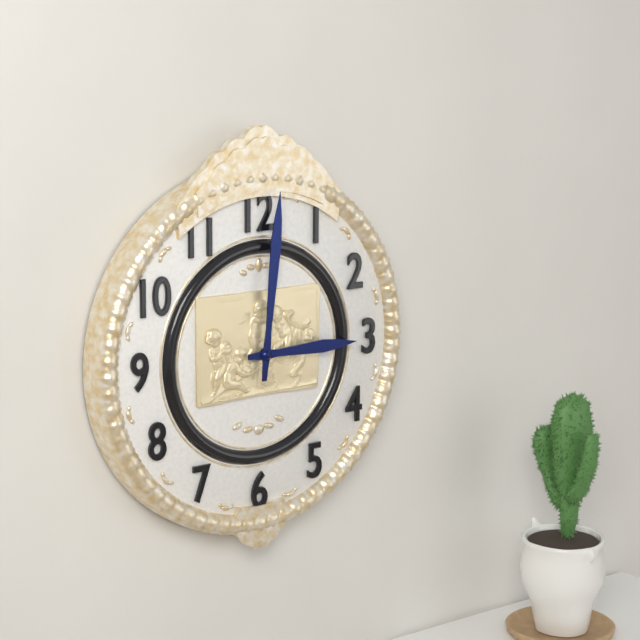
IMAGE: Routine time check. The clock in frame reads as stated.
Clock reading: 3:01
